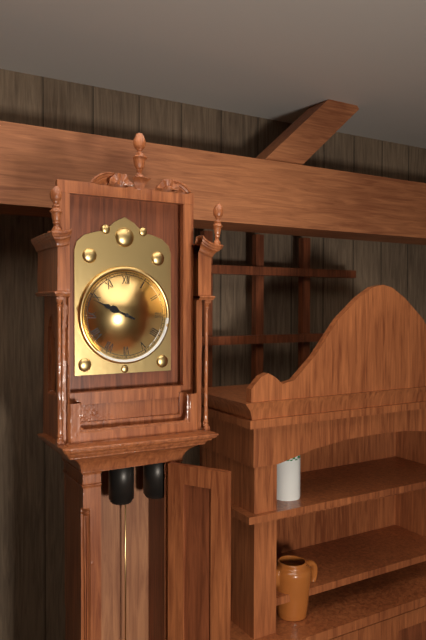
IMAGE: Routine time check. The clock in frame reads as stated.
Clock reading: 9:49
